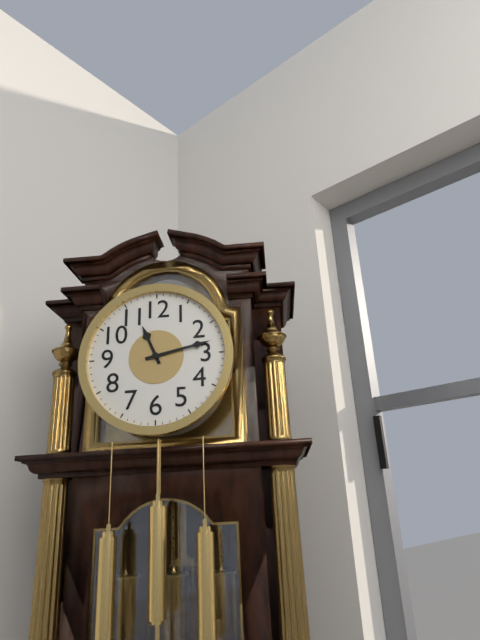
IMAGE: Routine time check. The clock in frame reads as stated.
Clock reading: 11:13
